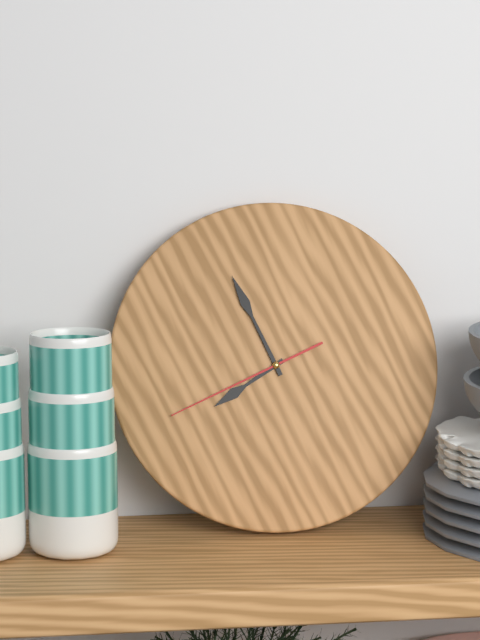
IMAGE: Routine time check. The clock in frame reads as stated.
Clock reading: 7:56:41
